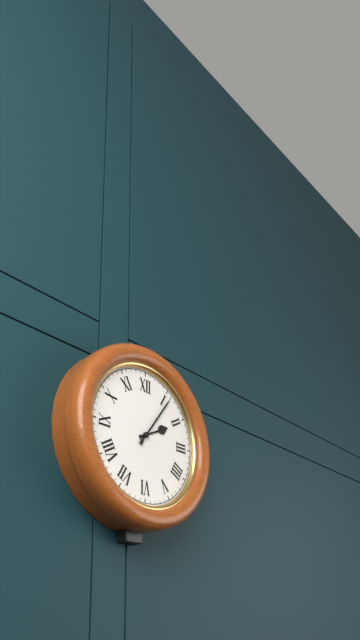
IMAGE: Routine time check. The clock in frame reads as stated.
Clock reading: 2:06
